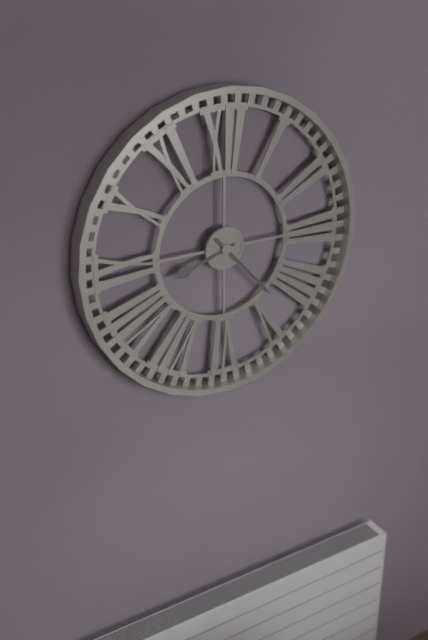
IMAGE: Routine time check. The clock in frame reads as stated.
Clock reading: 8:23
